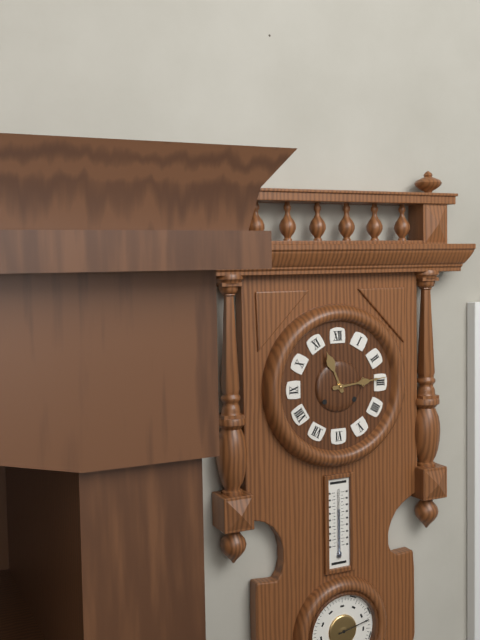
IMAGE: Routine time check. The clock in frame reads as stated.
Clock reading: 11:14
